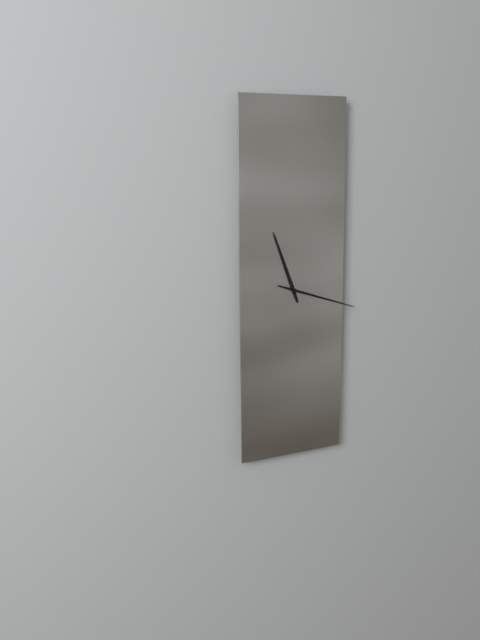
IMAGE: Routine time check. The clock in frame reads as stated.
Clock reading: 11:18
